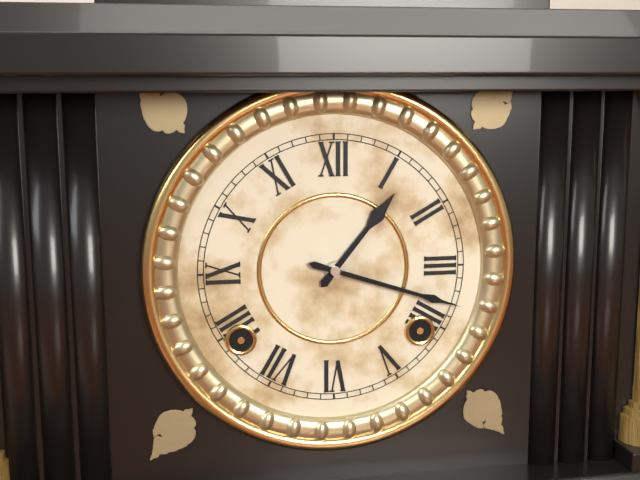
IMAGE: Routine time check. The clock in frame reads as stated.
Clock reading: 1:18
